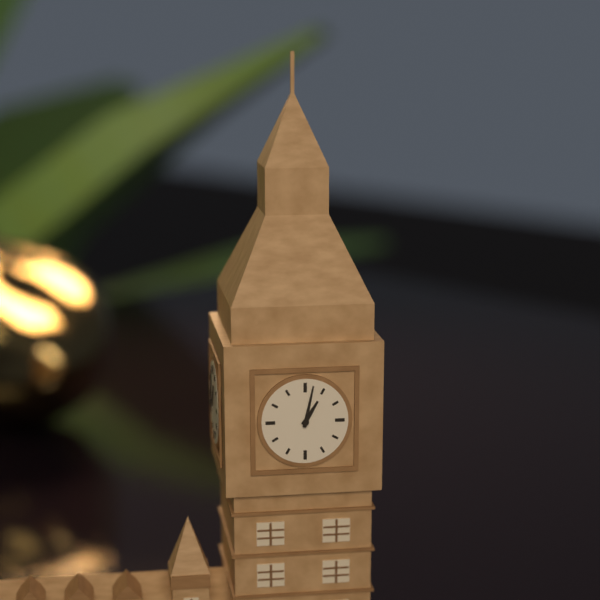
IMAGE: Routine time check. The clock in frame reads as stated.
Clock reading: 1:02
